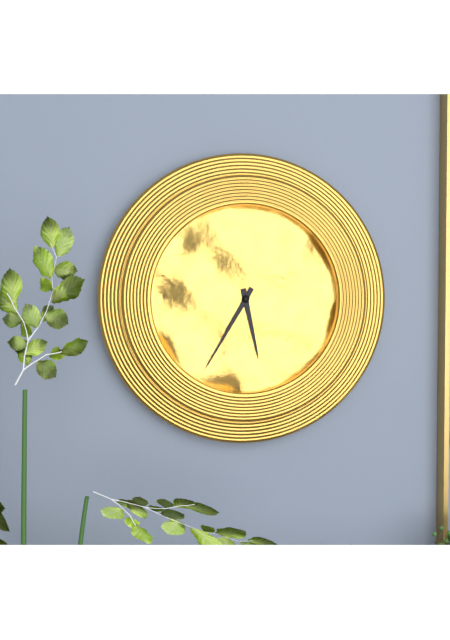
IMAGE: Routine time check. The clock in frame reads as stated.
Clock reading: 5:35
